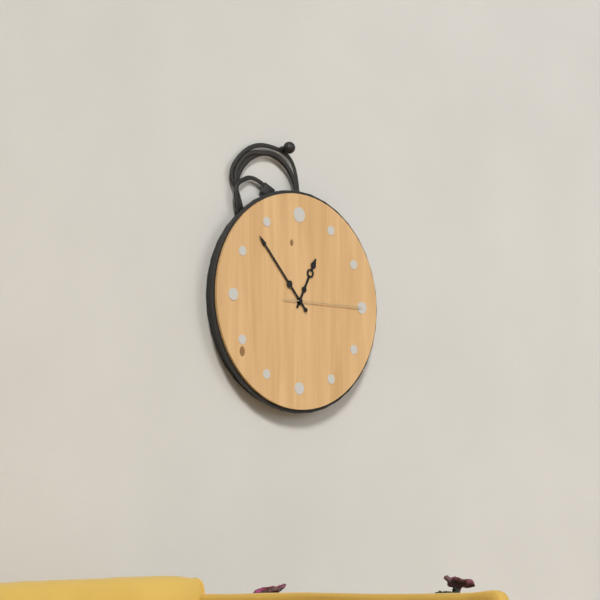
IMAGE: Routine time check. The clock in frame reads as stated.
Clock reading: 12:53:15
